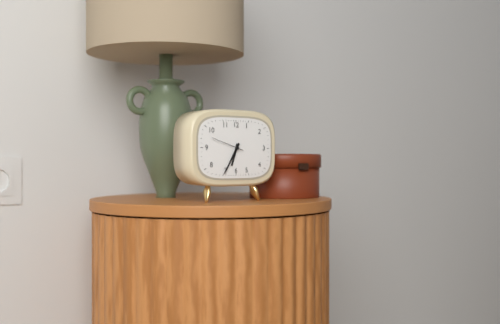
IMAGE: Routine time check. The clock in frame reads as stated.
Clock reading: 6:35
